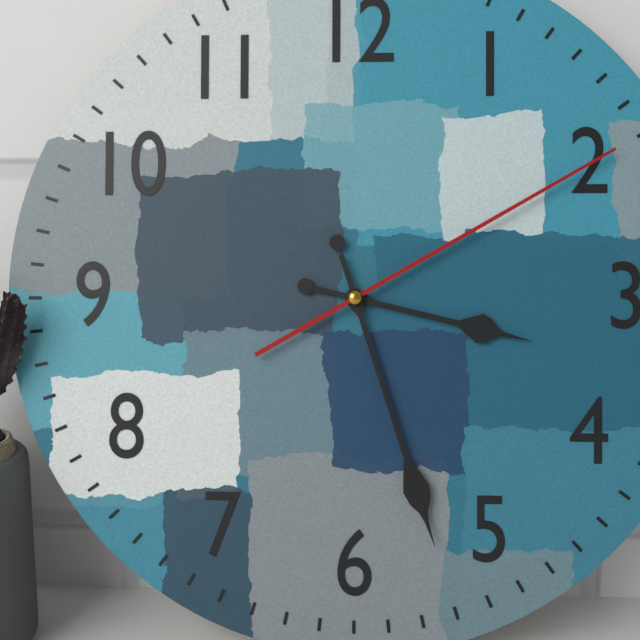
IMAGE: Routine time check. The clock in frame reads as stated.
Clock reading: 3:27:10
